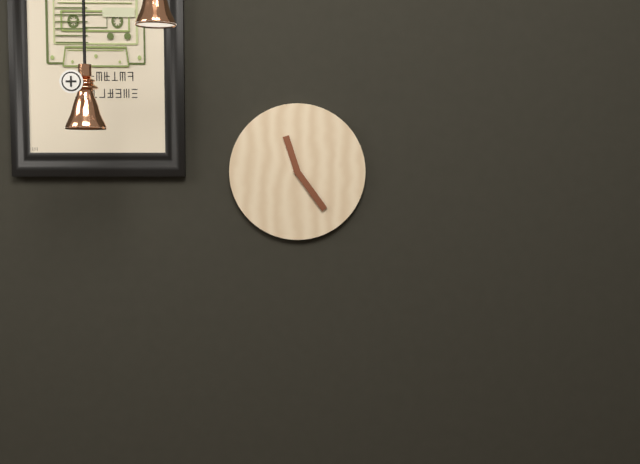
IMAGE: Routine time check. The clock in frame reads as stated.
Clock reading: 11:24
